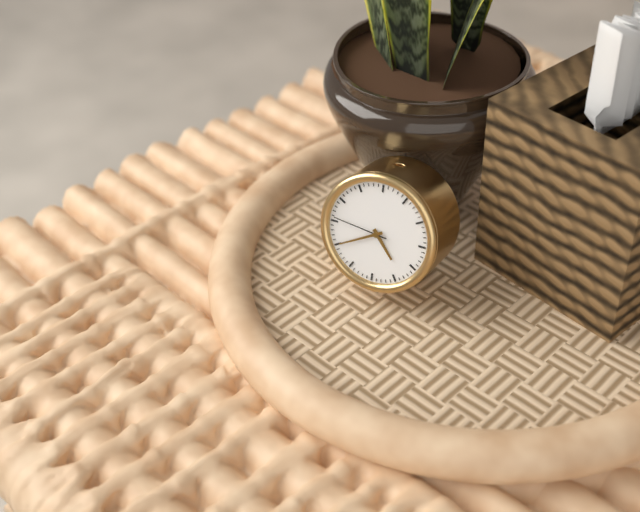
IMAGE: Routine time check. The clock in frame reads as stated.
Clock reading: 4:40:46
